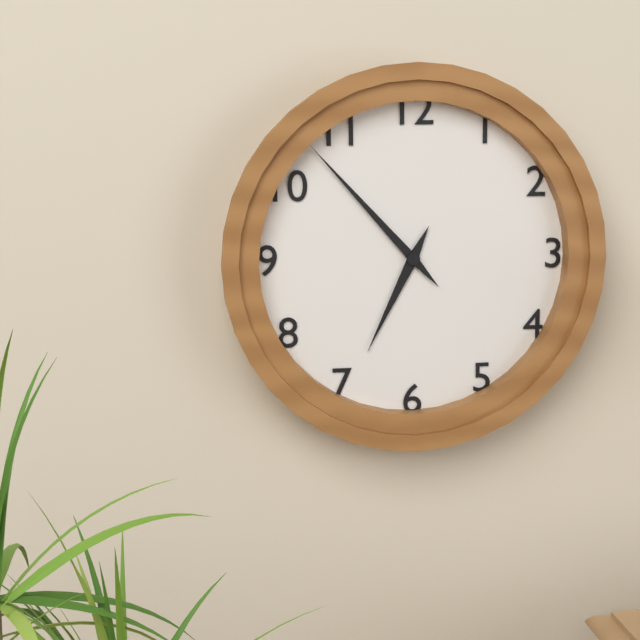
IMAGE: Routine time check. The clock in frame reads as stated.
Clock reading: 6:53
